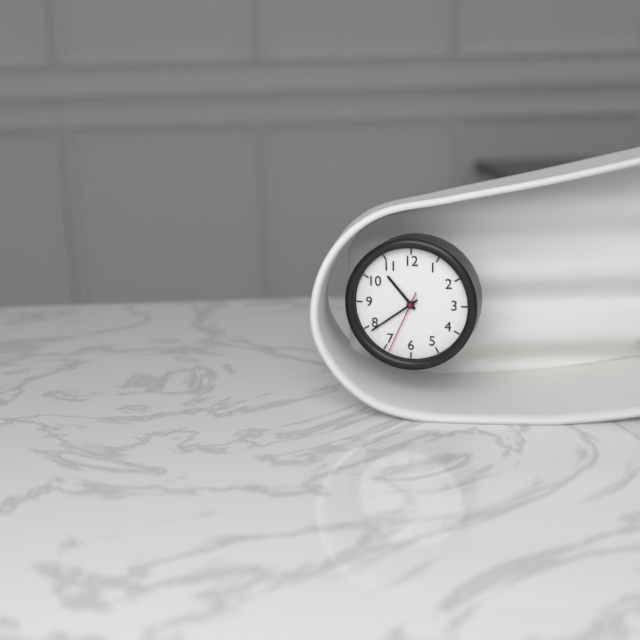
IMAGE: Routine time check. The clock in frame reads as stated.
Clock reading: 10:39:34
